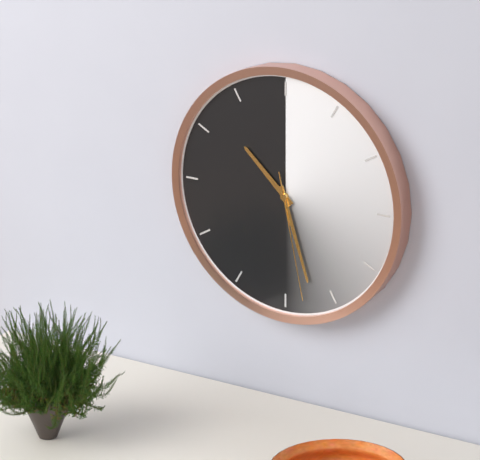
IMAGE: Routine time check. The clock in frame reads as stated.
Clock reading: 10:27:28
